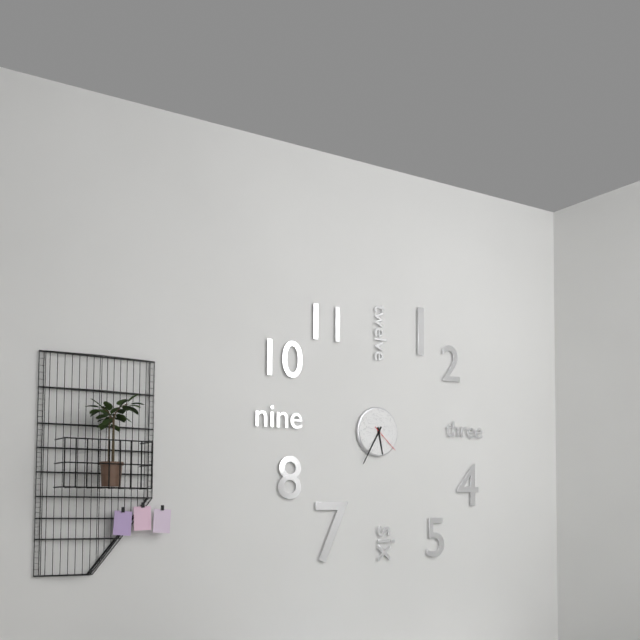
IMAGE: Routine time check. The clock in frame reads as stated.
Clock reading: 5:35
